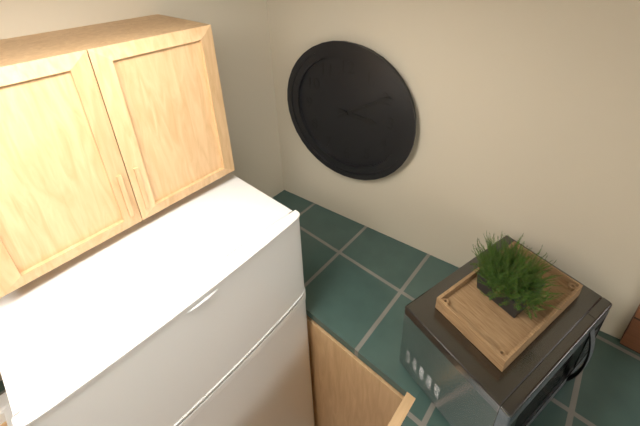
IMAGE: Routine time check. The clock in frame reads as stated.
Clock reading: 3:10
